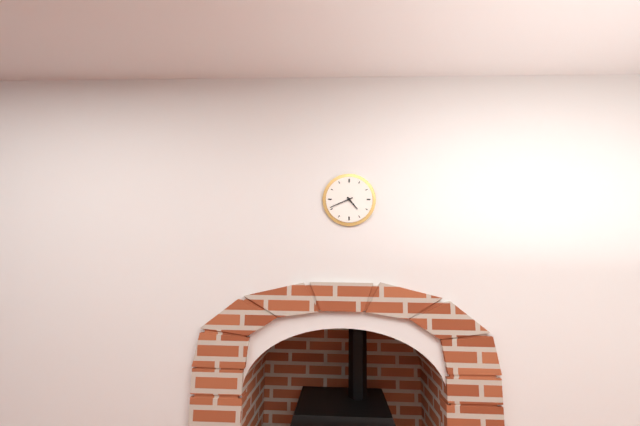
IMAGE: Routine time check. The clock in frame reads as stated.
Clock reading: 4:41
